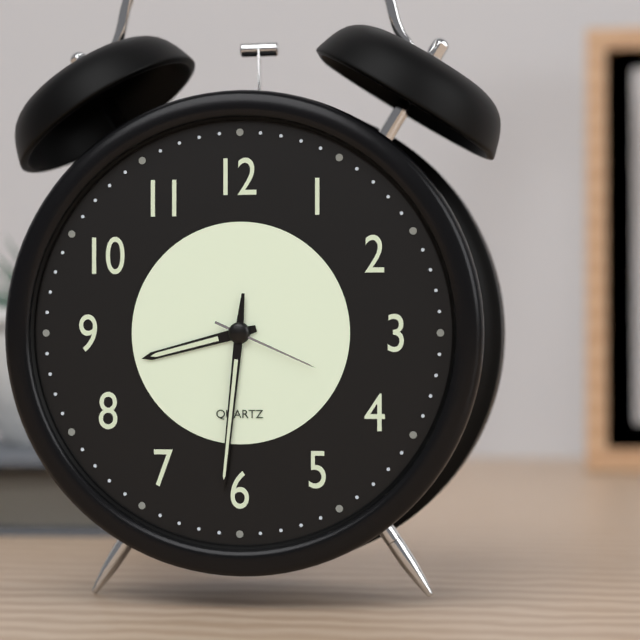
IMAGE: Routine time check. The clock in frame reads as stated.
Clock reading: 8:31:19
